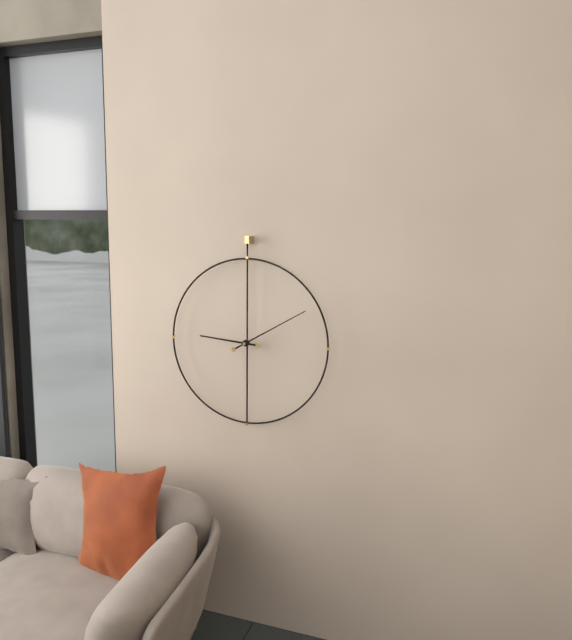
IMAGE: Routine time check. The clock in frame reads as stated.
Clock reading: 9:10
